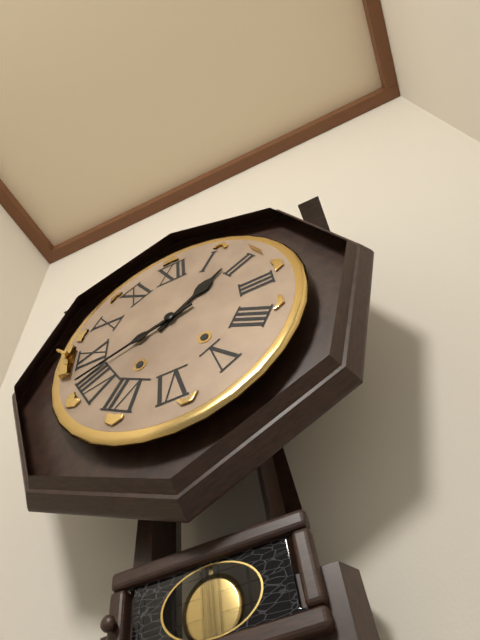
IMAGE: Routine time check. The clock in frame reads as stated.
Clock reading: 1:42
